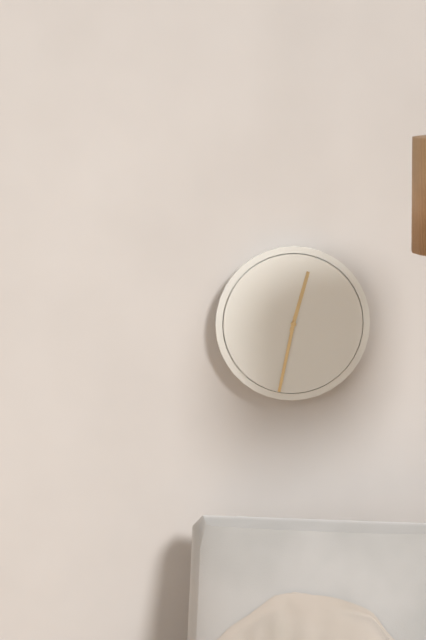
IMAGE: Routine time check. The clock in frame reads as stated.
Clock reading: 12:32
